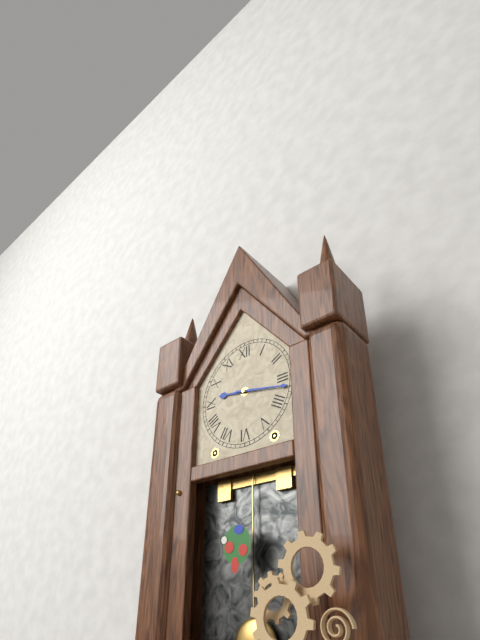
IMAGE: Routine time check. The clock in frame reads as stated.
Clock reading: 9:17
